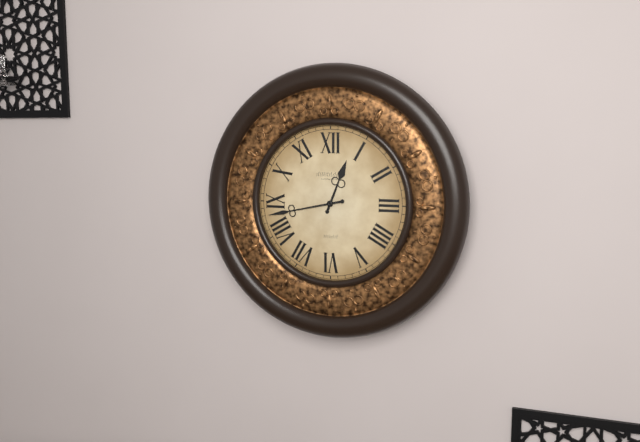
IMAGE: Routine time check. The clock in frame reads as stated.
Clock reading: 12:43
